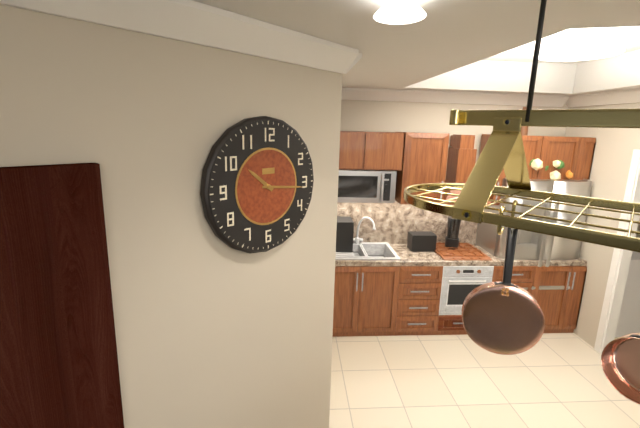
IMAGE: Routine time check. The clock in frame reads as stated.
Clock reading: 10:16
